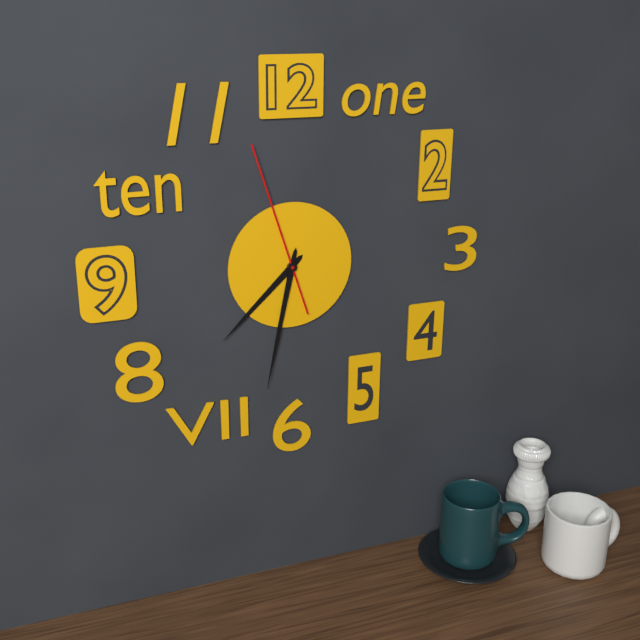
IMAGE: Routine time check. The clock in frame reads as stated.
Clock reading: 7:32:57
